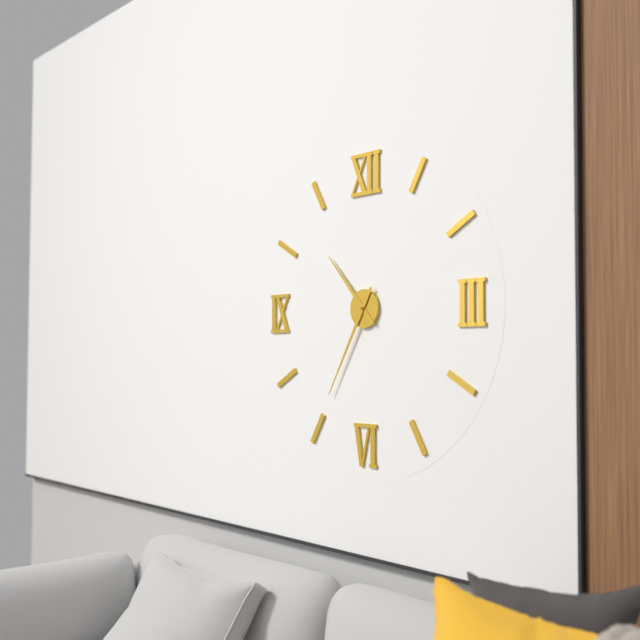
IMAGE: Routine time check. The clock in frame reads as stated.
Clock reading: 10:35
